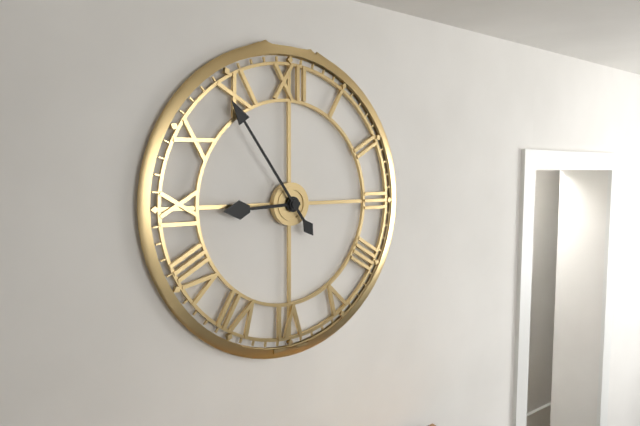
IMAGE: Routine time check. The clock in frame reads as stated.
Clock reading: 8:54
